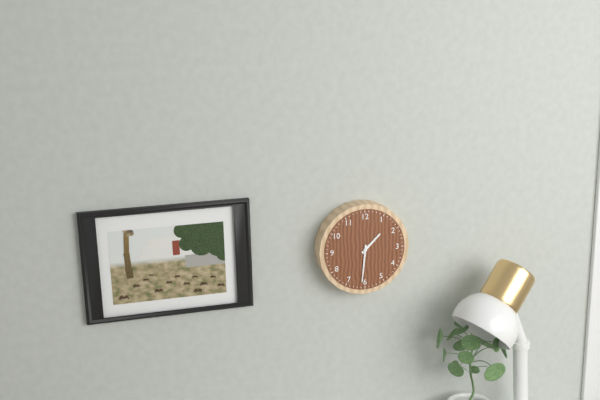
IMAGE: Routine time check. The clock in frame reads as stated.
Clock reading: 1:31
